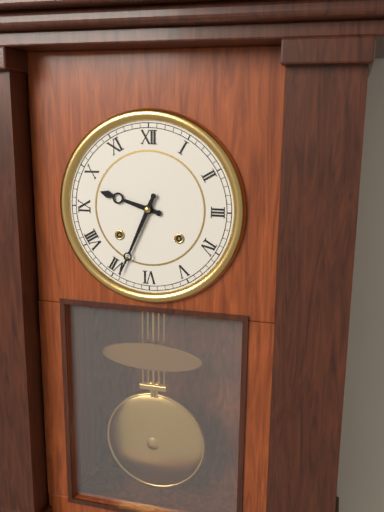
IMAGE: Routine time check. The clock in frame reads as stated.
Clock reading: 9:34
